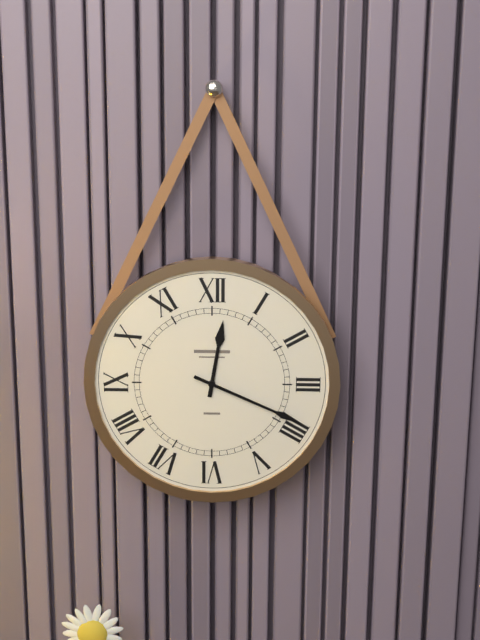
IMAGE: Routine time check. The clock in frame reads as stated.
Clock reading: 12:19
